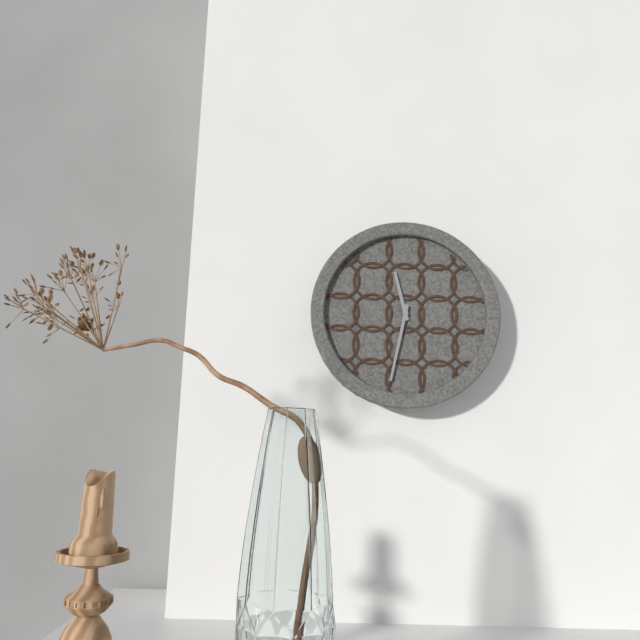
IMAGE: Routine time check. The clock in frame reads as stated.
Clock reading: 11:32
